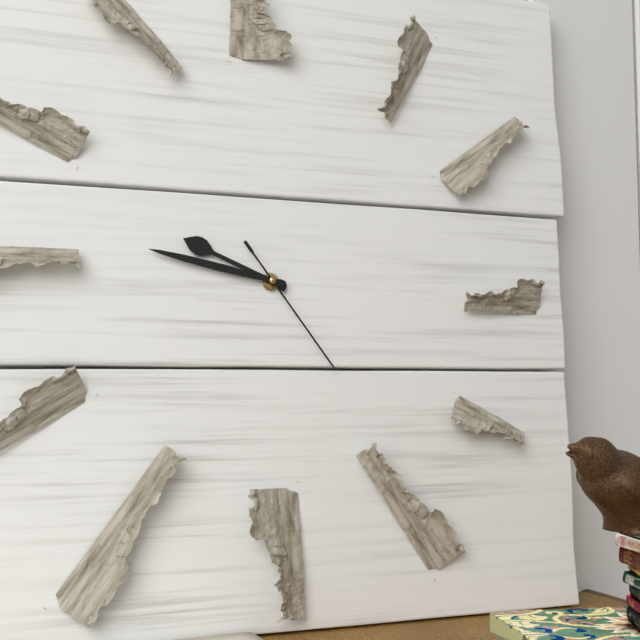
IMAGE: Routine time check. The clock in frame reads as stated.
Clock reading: 9:47:24
